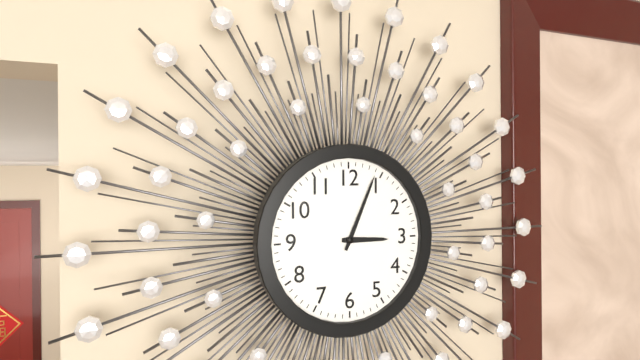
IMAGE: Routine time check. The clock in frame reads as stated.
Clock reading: 3:04
